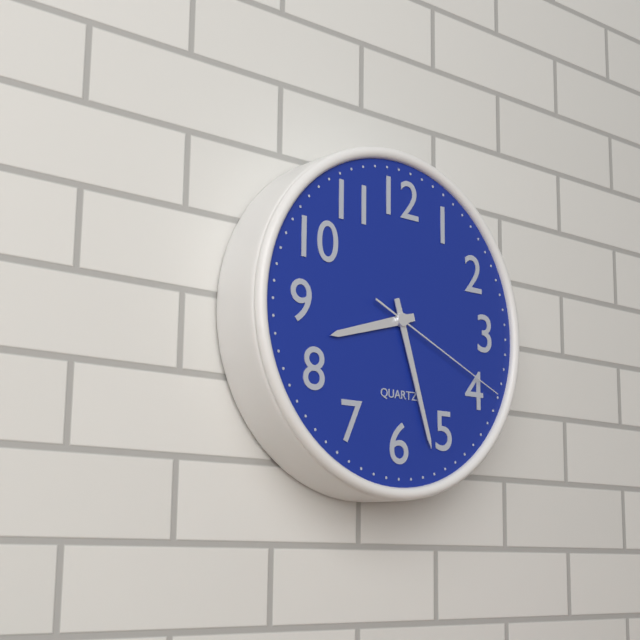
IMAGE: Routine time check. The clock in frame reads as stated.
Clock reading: 8:27:19
